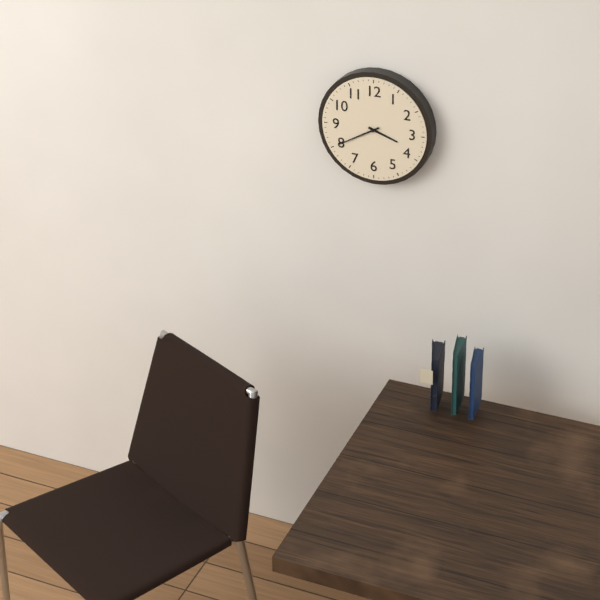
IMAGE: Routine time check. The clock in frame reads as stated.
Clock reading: 3:40
